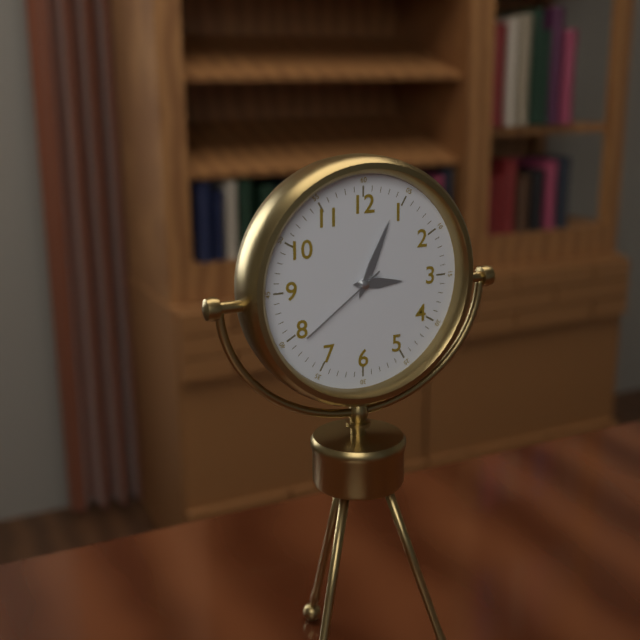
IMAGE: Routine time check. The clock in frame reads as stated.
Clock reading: 3:04:39
